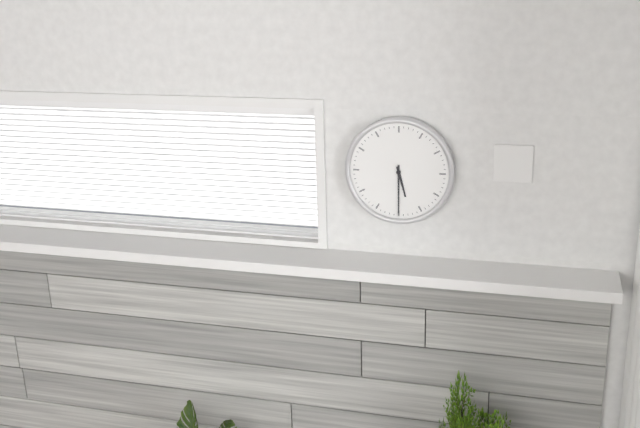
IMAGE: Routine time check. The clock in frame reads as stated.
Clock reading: 5:30
